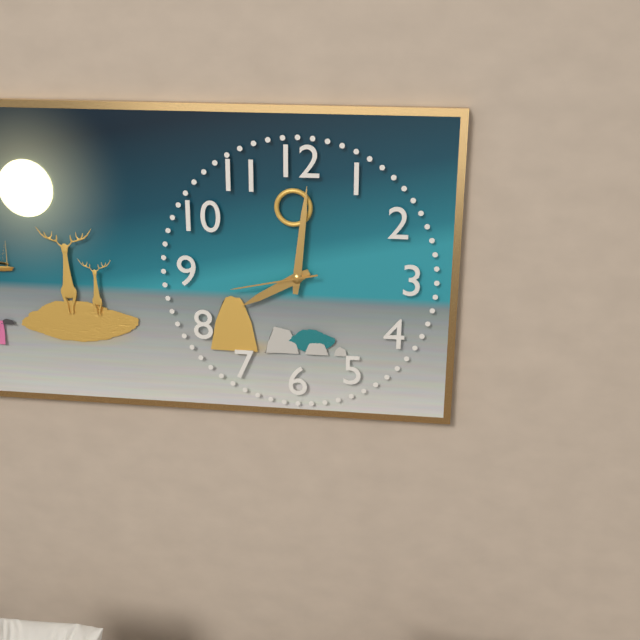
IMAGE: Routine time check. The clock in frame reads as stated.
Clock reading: 8:01:43
